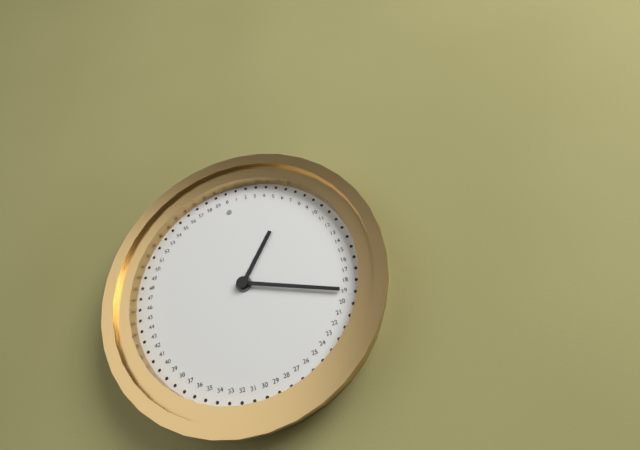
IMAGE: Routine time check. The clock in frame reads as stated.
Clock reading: 1:19
